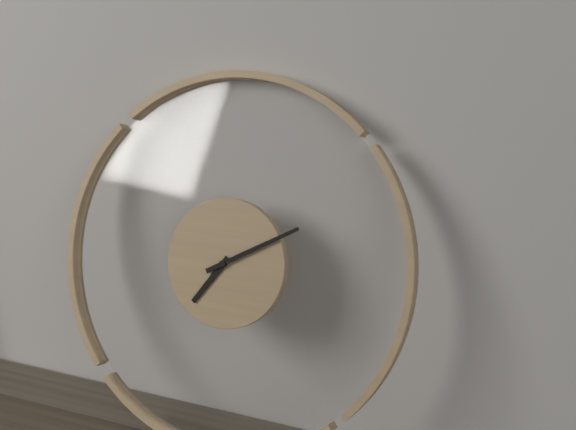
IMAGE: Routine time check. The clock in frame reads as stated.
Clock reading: 7:10
